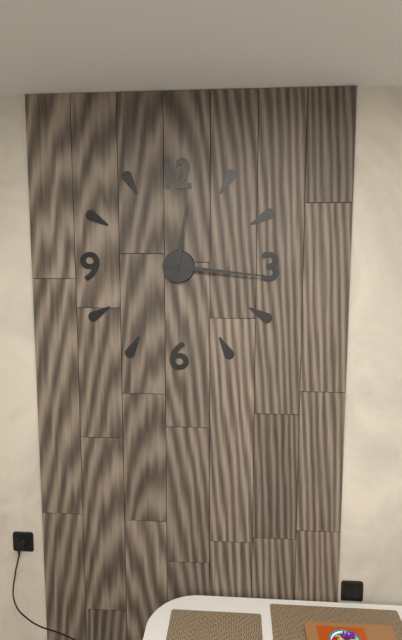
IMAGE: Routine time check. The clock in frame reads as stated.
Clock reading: 12:16
